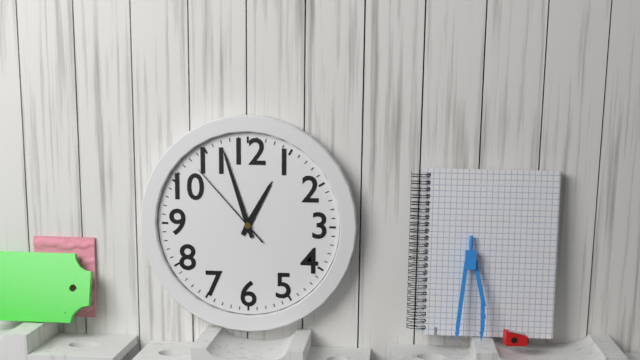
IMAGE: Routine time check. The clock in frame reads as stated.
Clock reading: 12:57:53
